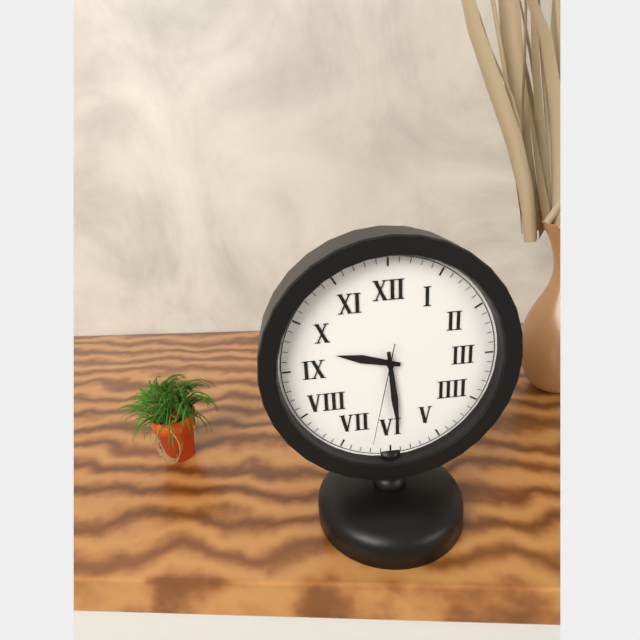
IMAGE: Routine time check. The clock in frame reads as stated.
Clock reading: 9:29:32
